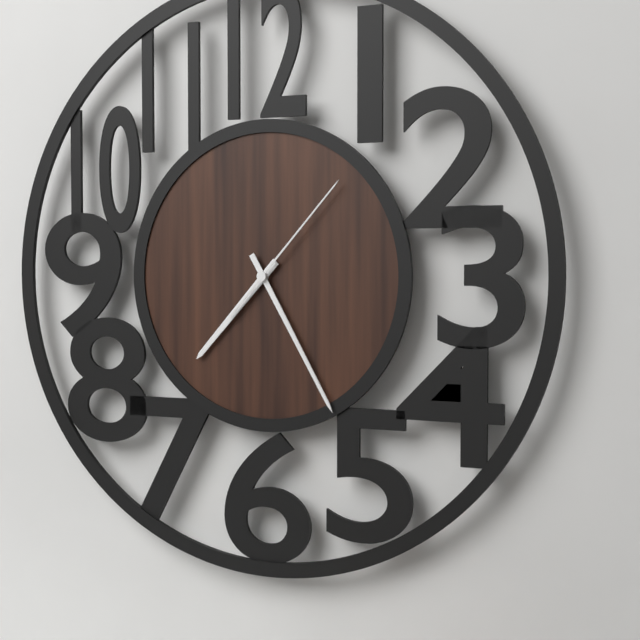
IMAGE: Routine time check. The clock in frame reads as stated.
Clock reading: 7:25:07
